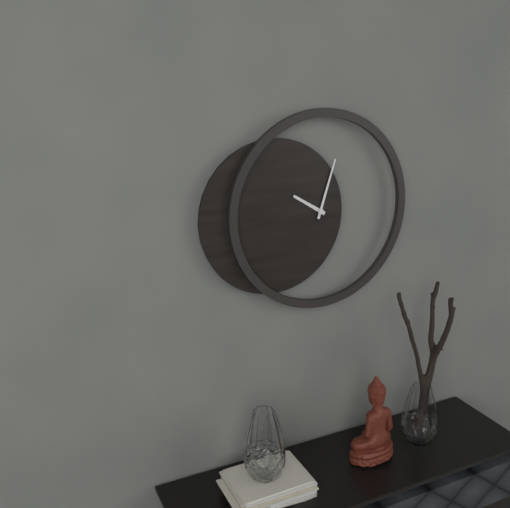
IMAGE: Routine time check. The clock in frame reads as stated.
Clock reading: 10:03
